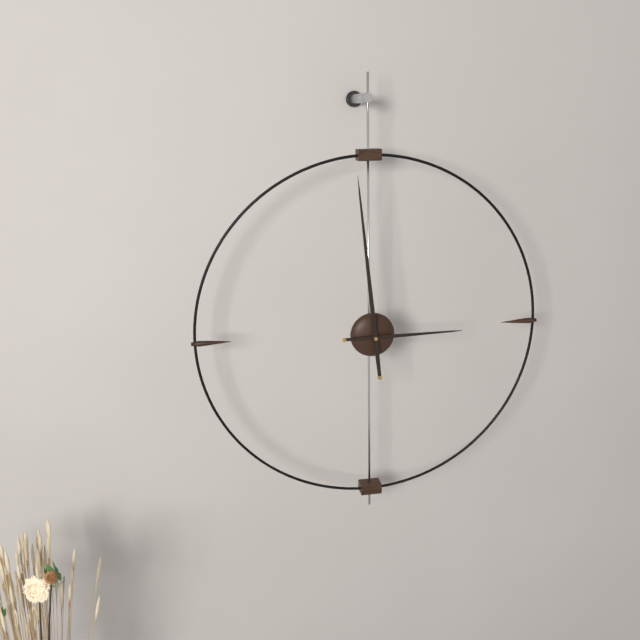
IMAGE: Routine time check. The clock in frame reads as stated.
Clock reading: 2:59
